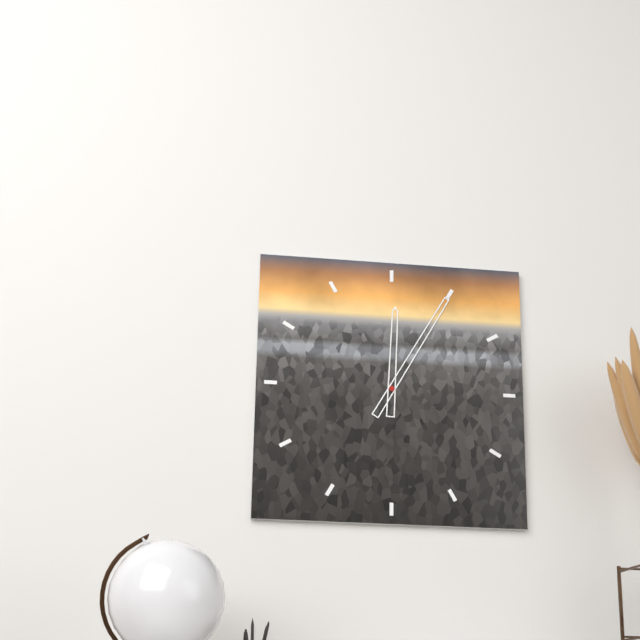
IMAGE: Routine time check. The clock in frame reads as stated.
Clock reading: 12:05
